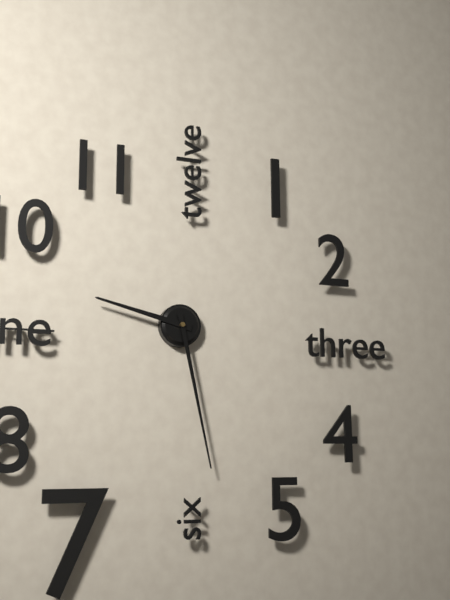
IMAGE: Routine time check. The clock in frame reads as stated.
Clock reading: 9:28
